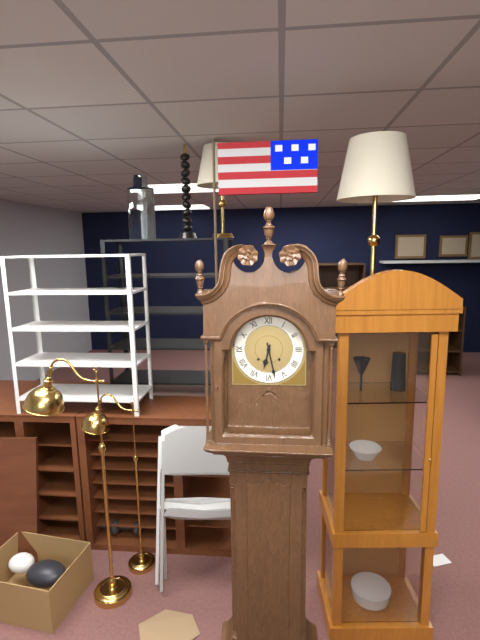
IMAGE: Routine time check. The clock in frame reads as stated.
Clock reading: 6:28
